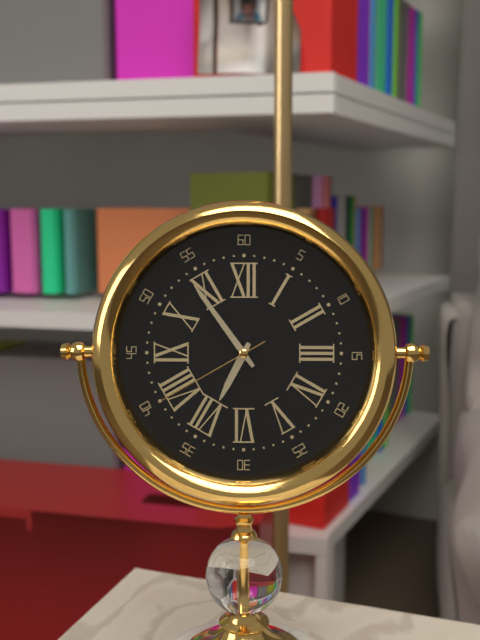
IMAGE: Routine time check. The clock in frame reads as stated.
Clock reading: 6:54:40
